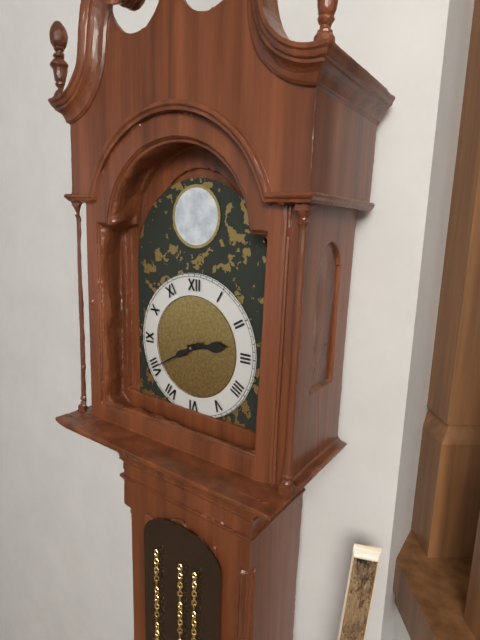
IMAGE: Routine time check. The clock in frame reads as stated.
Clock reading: 2:40
